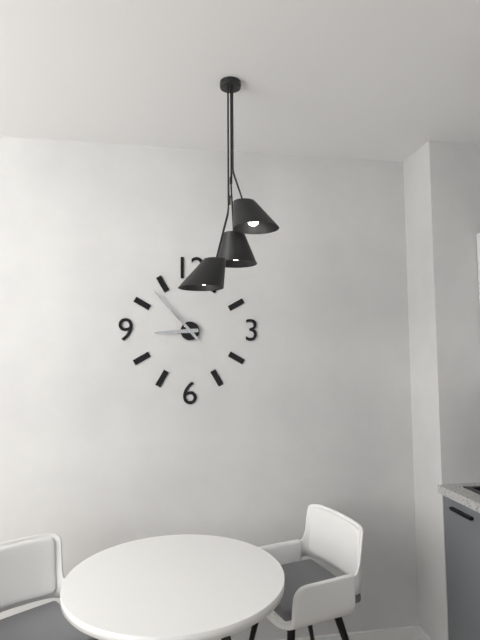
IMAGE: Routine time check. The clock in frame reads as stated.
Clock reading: 8:53
